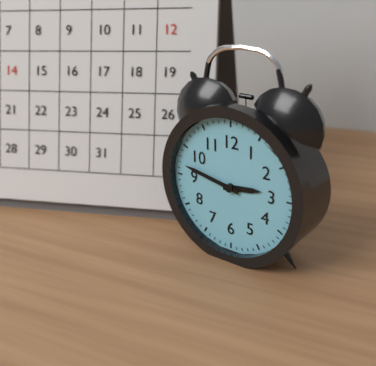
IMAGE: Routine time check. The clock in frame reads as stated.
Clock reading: 2:47
